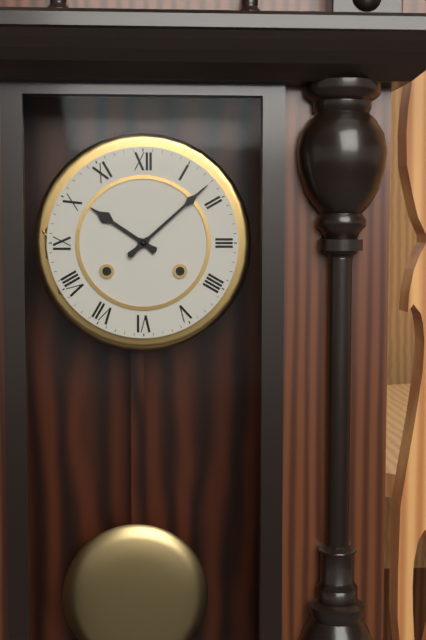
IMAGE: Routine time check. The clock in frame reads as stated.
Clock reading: 10:08
